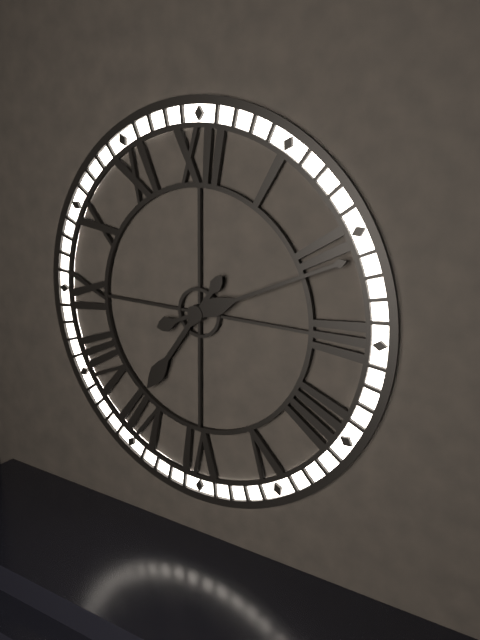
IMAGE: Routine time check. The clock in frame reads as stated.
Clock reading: 7:11
